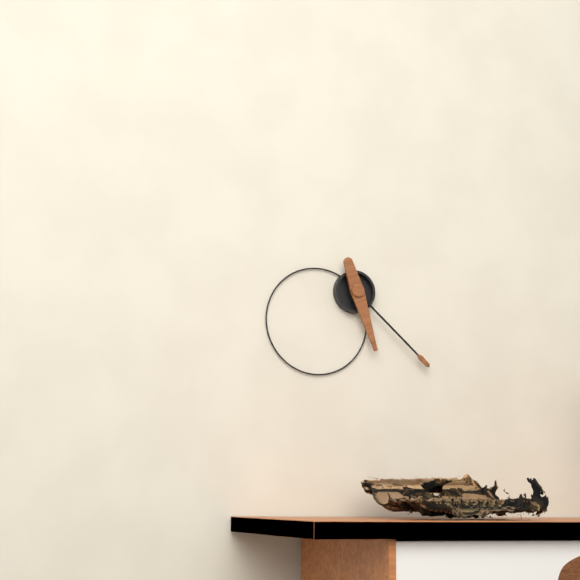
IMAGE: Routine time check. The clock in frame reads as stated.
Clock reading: 5:22
